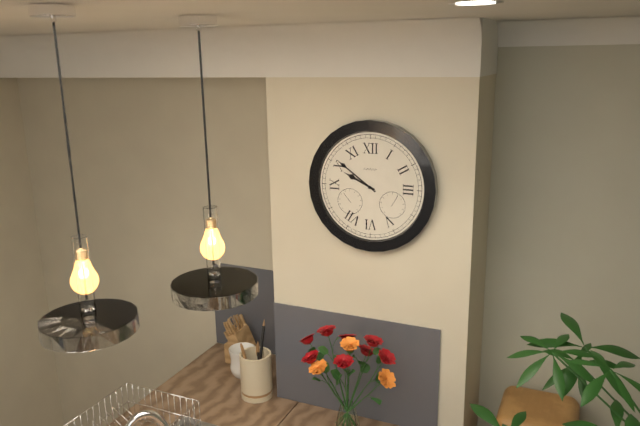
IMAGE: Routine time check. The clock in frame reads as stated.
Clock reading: 9:51
